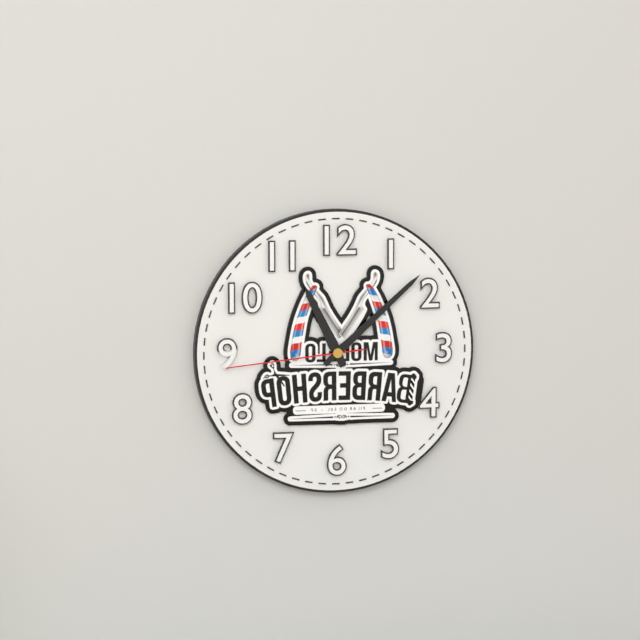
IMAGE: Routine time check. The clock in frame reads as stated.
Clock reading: 11:08:44
